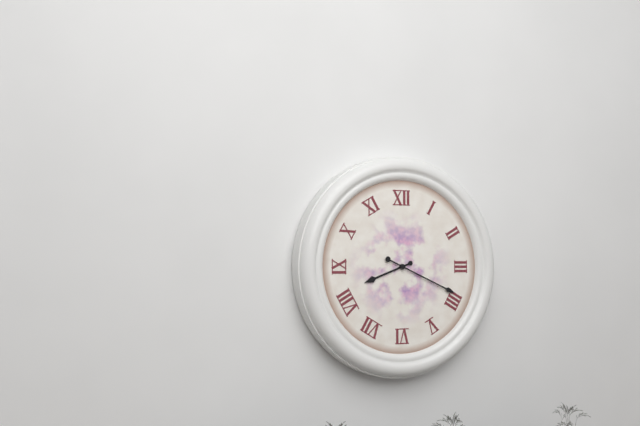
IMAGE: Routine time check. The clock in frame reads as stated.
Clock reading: 8:19
